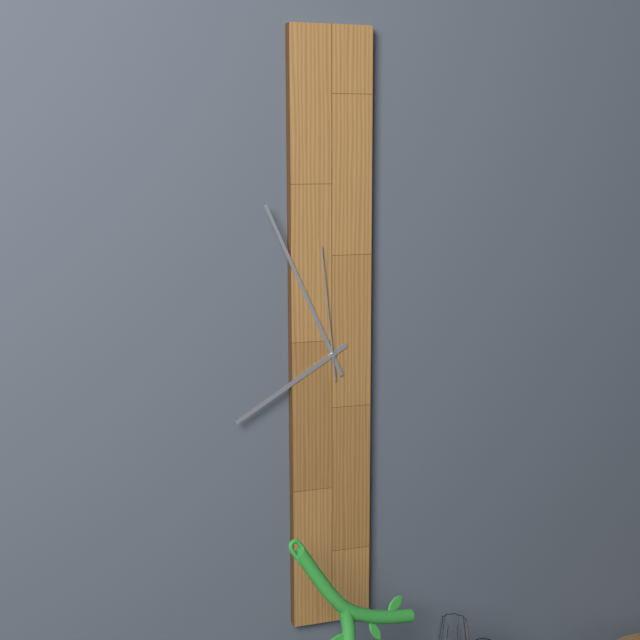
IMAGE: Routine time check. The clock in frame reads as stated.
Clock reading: 7:56:59
